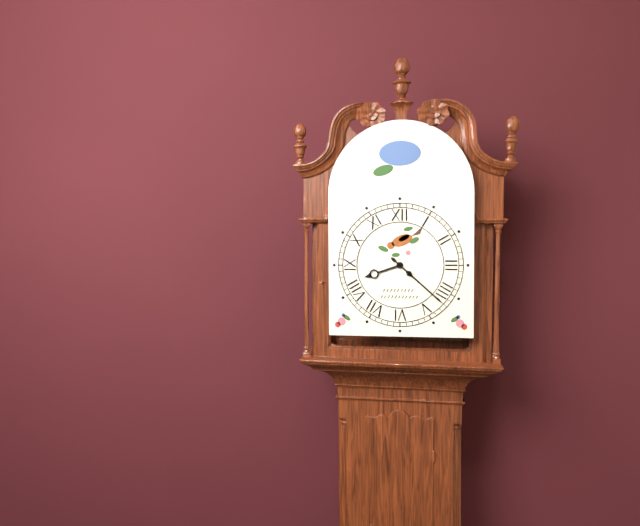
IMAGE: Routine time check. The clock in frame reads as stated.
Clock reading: 8:22
